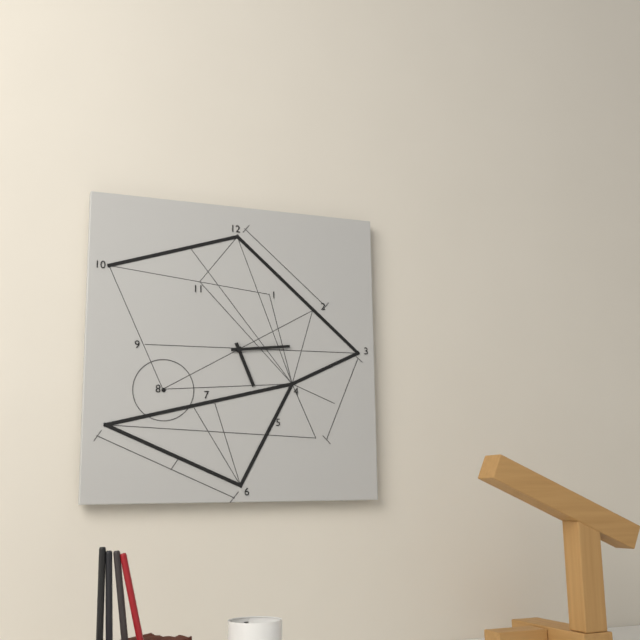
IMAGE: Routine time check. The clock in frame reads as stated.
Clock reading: 5:14
